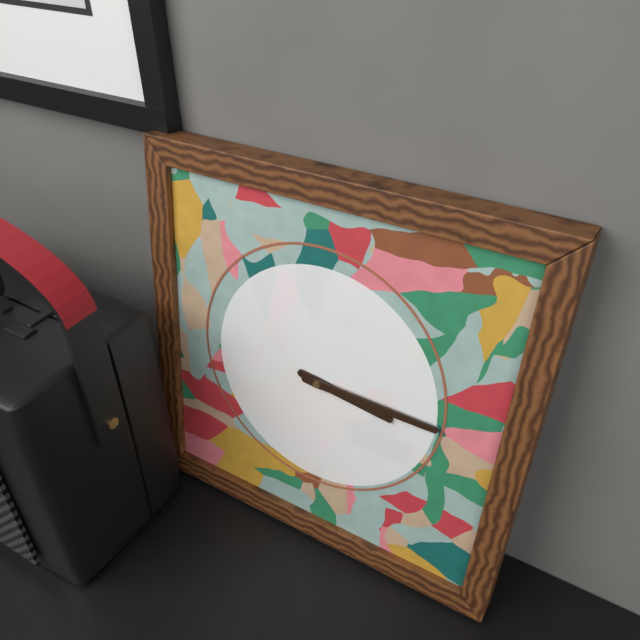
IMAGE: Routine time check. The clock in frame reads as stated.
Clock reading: 3:15
